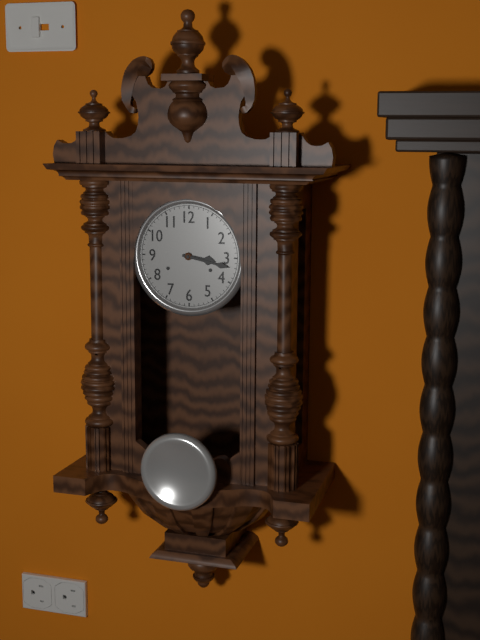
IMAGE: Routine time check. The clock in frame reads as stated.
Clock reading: 3:17
